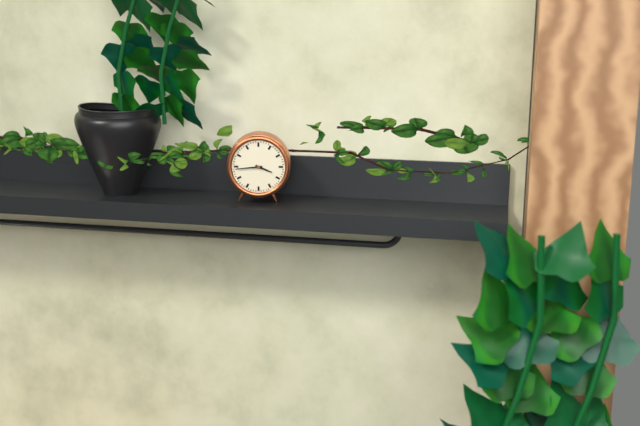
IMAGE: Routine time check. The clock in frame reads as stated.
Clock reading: 3:44
